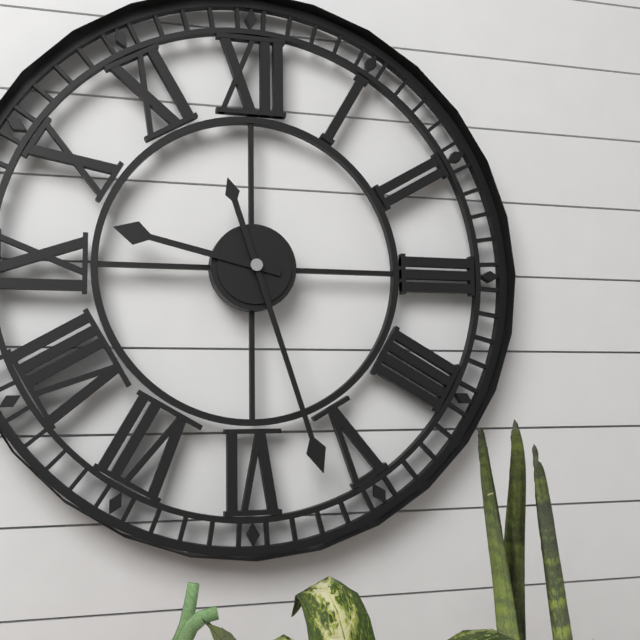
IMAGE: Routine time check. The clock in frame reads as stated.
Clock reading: 9:27
